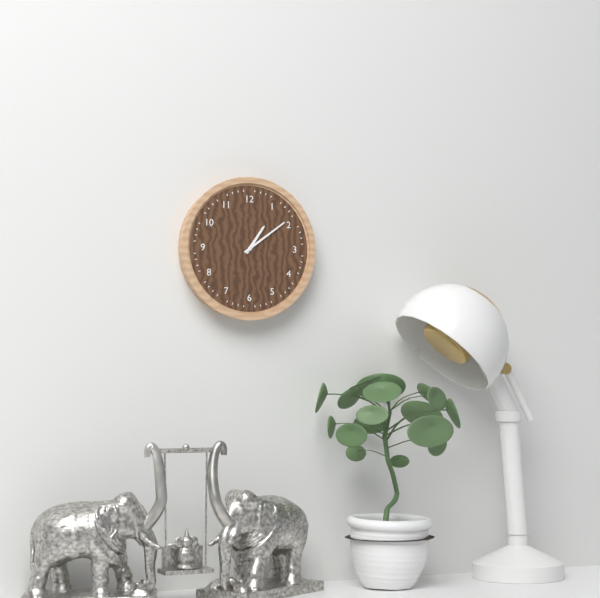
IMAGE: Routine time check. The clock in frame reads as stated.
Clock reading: 1:09
